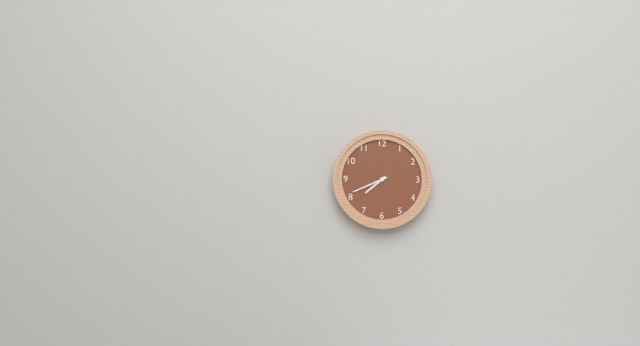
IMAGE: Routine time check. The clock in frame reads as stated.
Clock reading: 7:41
